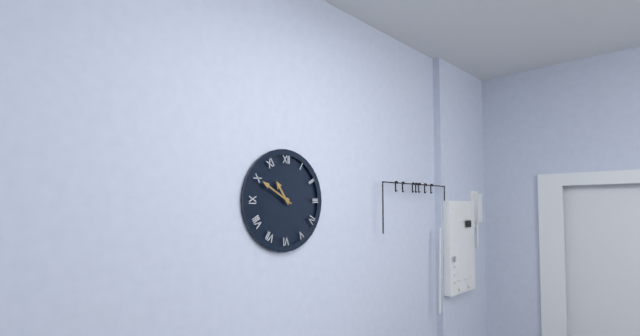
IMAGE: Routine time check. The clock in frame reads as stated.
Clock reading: 10:50
